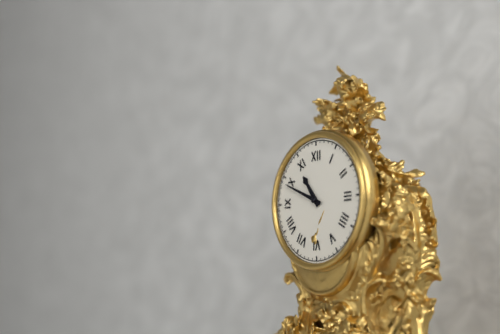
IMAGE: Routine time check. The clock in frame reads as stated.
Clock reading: 10:49
